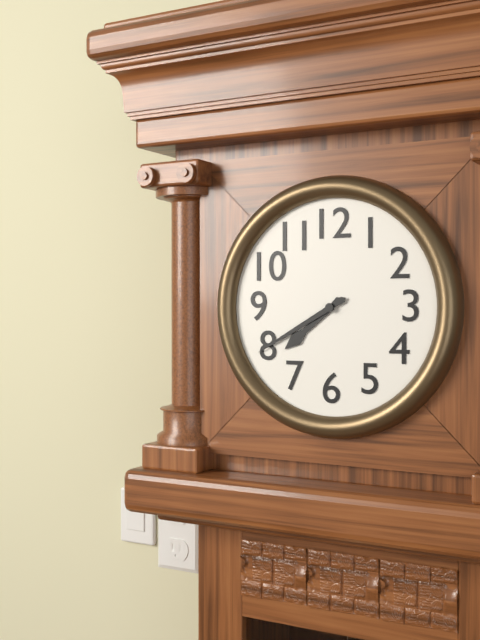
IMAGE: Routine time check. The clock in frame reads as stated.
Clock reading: 7:40
